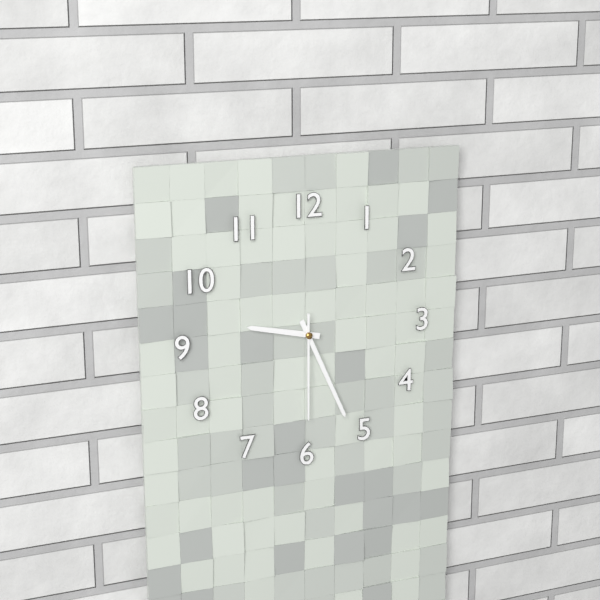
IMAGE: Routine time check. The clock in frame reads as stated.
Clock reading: 9:26:30
